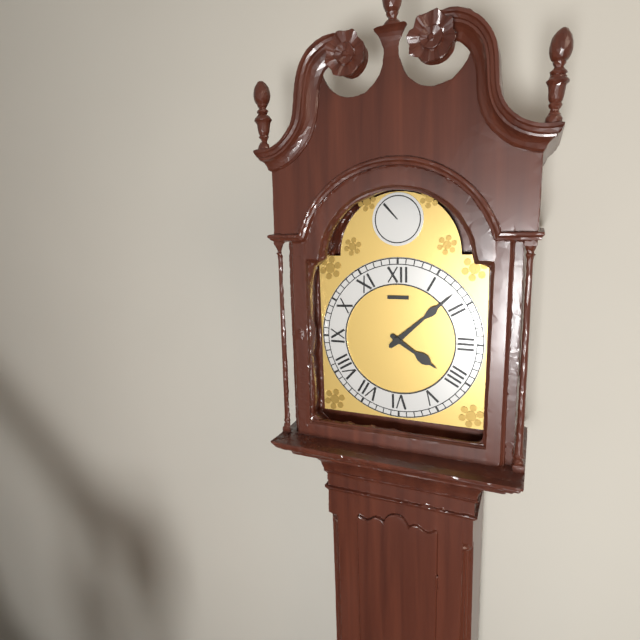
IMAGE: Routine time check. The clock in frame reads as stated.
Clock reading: 4:08
